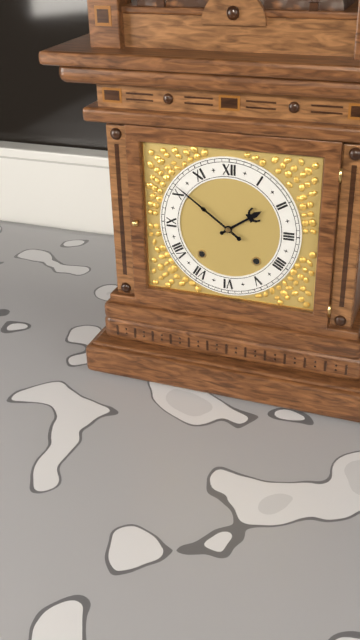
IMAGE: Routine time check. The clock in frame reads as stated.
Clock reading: 1:51
